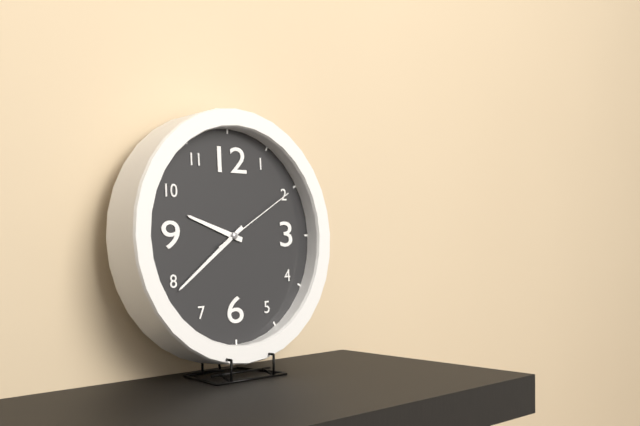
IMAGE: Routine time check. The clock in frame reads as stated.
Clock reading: 9:39:10
